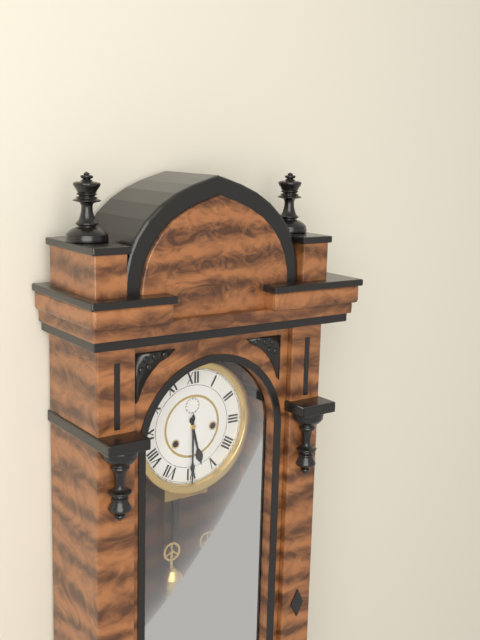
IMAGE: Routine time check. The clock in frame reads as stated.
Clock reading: 5:30
